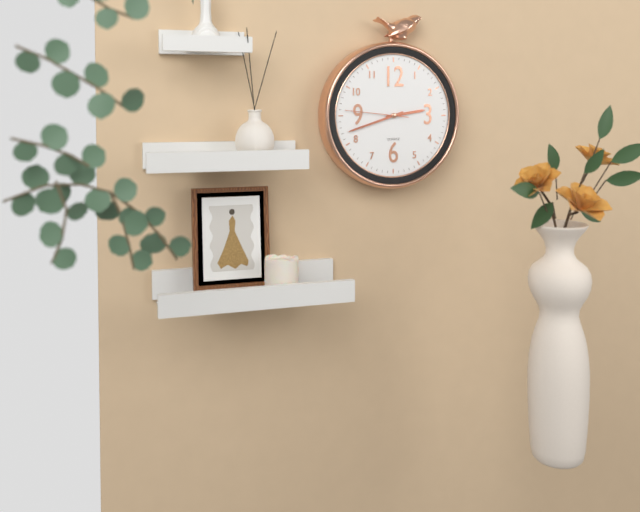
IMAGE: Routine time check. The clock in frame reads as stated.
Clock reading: 2:42:46
